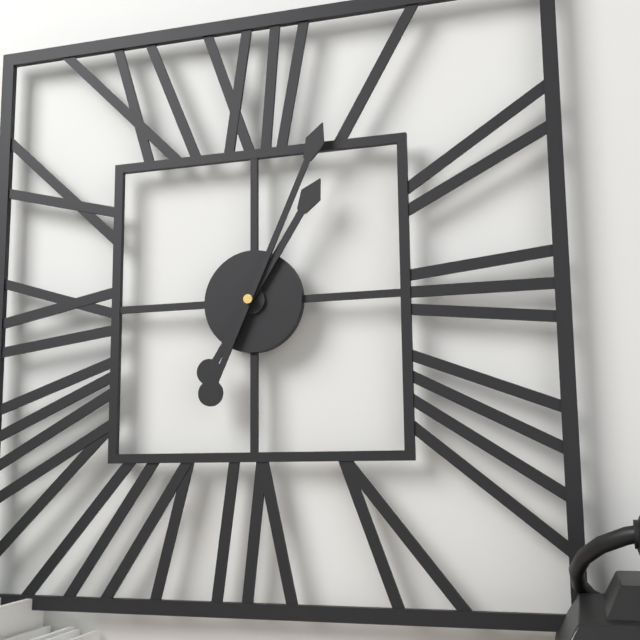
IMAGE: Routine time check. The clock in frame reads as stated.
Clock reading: 1:04
